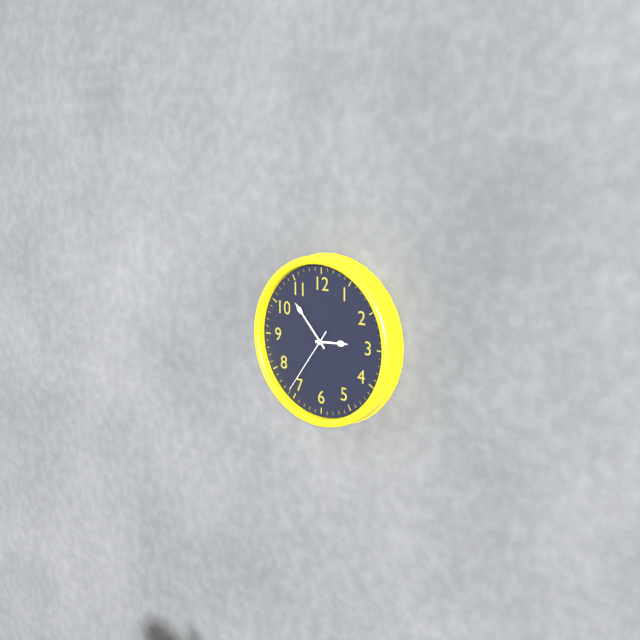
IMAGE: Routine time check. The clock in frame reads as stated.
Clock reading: 2:53:36
